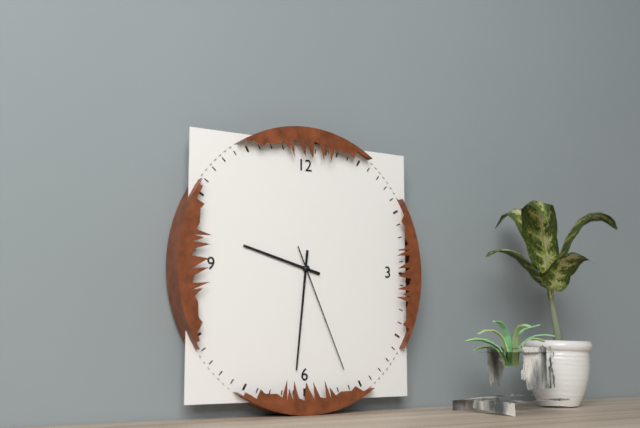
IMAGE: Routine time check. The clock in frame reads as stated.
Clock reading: 9:31:26
